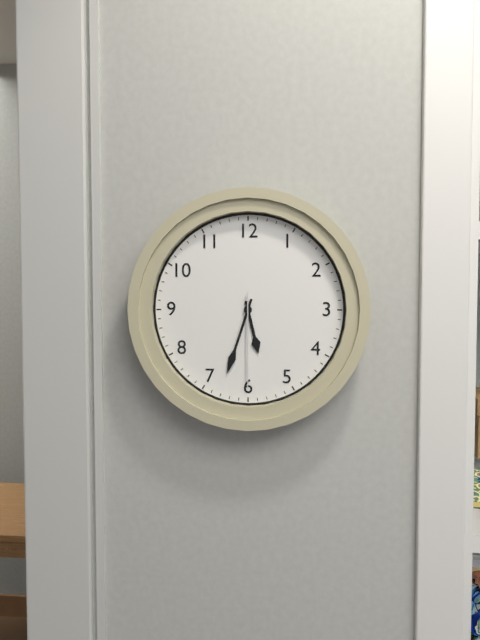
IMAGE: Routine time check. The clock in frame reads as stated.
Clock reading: 5:33:30
